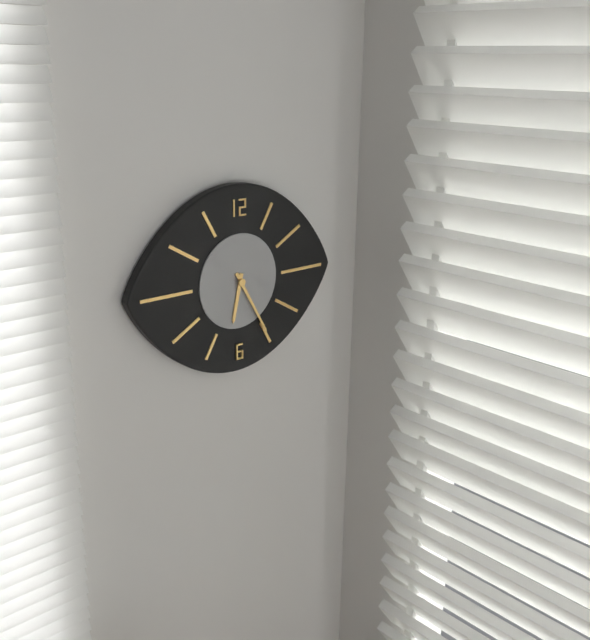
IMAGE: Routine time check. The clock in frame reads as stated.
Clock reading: 6:25
